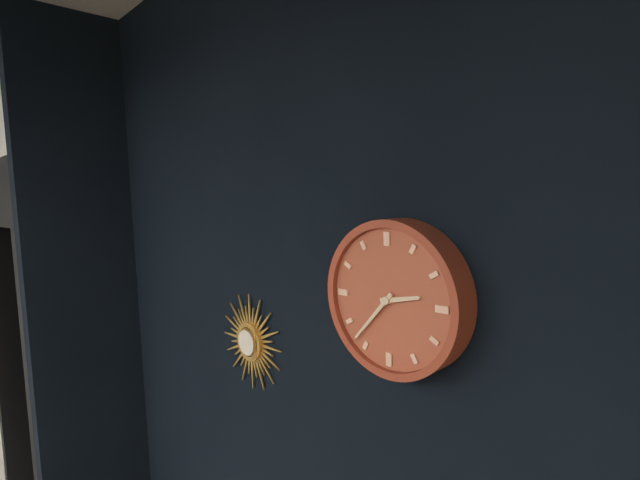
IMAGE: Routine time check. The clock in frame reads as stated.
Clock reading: 2:37
